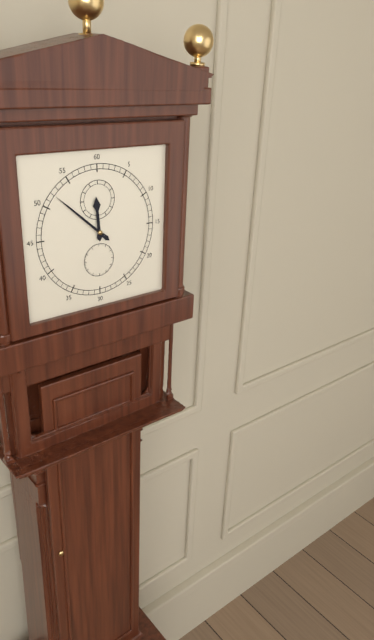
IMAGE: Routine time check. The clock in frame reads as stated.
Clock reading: 11:52
